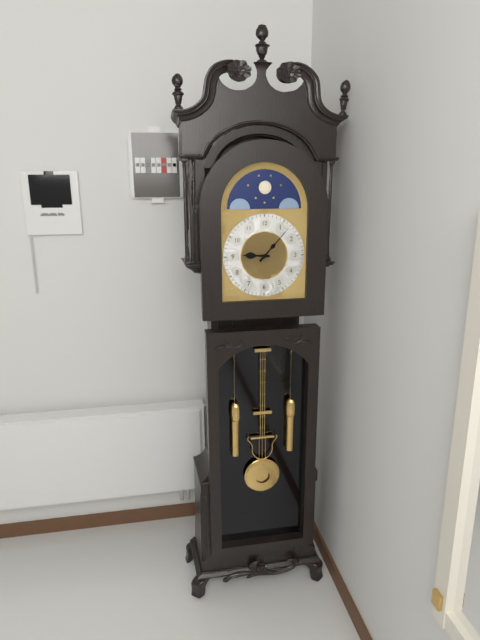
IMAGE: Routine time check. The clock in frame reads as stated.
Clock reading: 9:07
